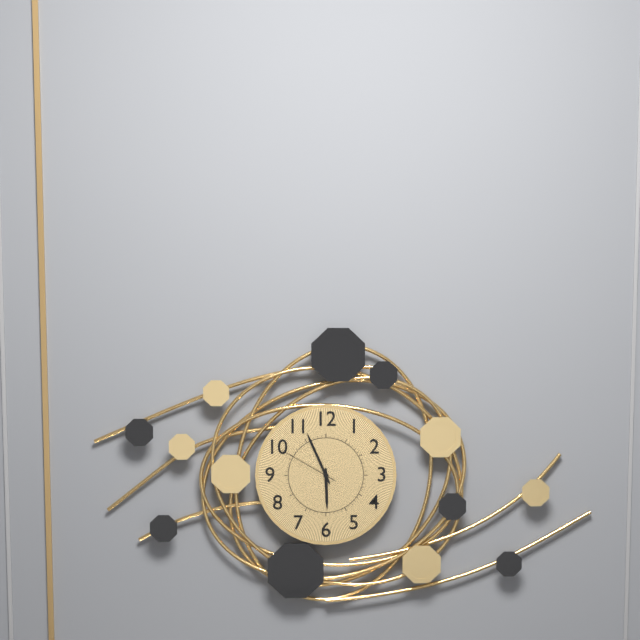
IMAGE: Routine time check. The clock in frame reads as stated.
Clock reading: 5:56:50
